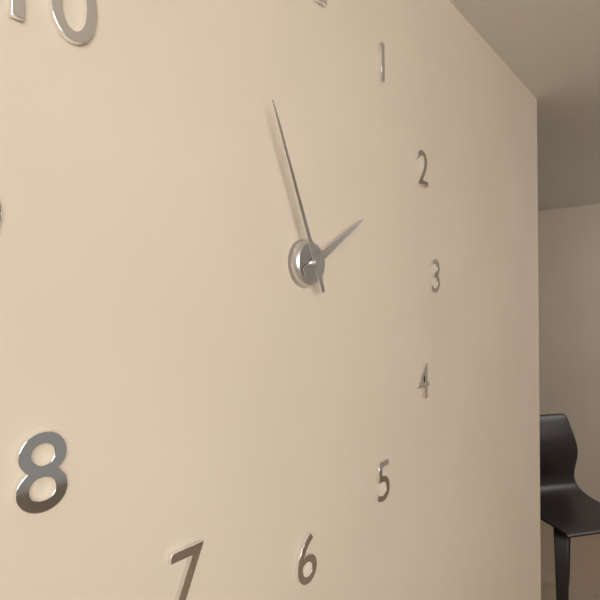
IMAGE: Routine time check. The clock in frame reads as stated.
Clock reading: 1:56
